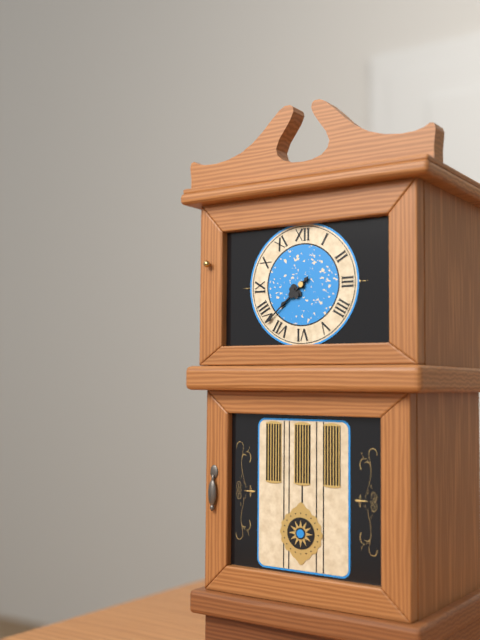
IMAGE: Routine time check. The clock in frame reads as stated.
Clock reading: 7:38
